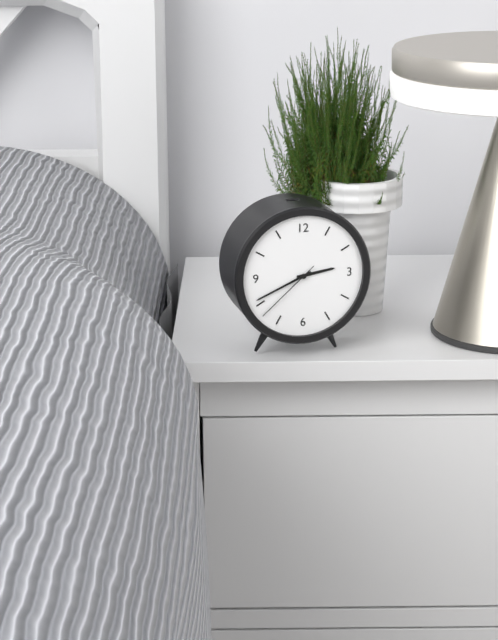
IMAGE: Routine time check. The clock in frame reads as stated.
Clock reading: 2:41:38
